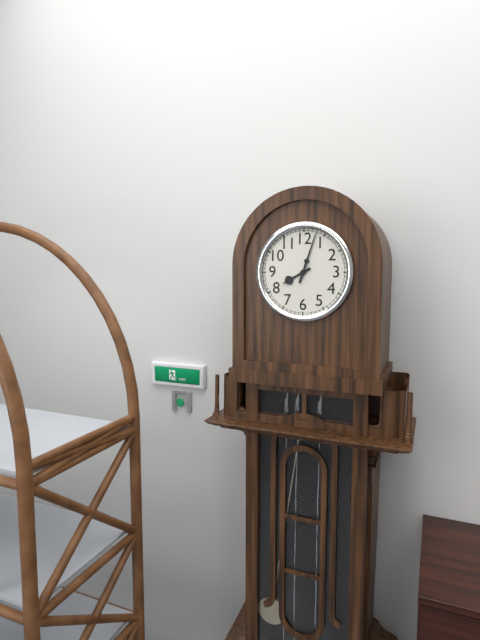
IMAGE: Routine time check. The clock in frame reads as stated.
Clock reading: 8:03
